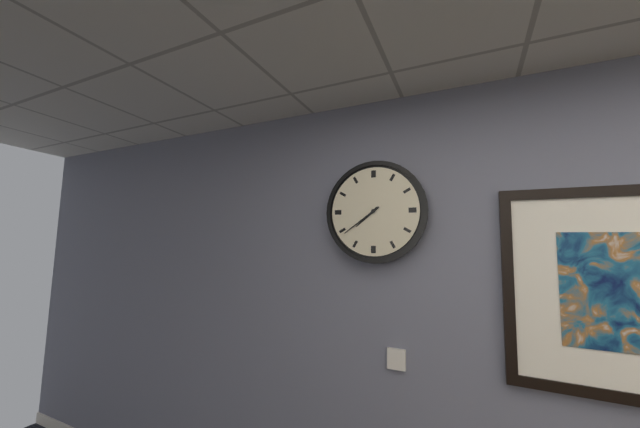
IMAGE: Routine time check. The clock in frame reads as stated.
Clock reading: 7:39
